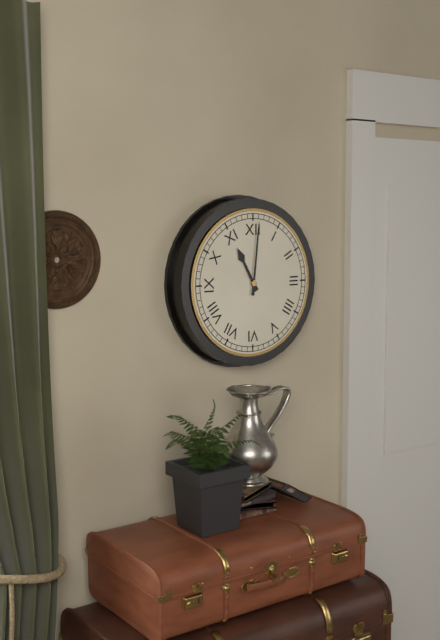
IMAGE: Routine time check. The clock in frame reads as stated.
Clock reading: 11:01
